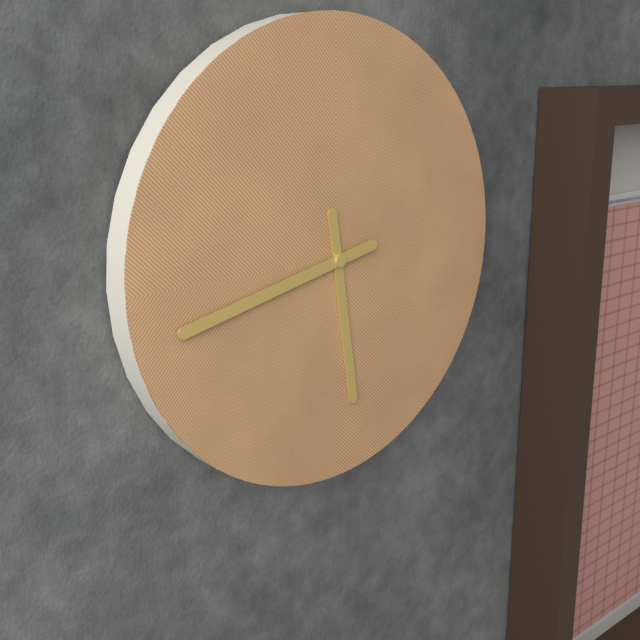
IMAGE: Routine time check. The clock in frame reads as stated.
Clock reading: 5:43
